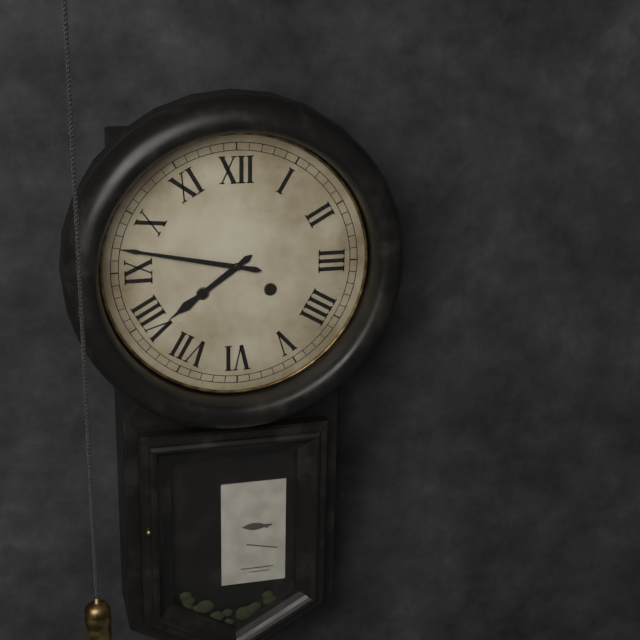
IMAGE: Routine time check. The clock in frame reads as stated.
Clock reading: 7:47
